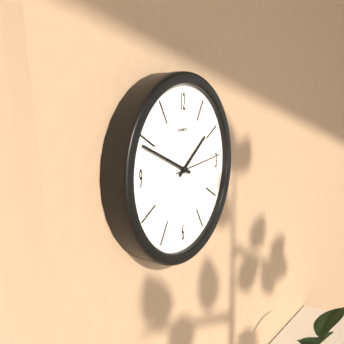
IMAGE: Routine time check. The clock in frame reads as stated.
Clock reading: 1:49
